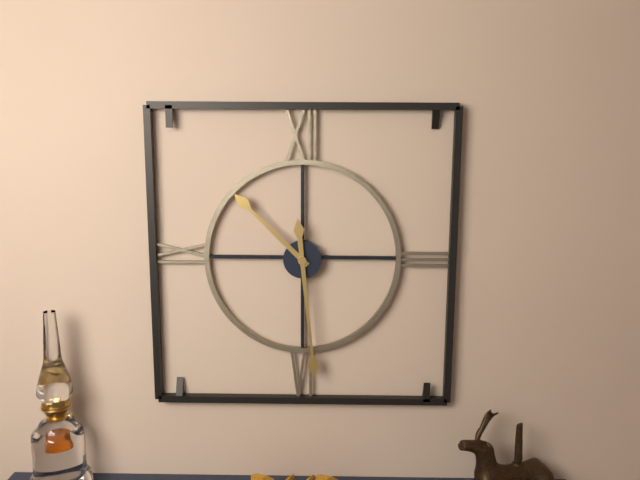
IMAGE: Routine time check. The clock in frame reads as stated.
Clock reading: 10:29
